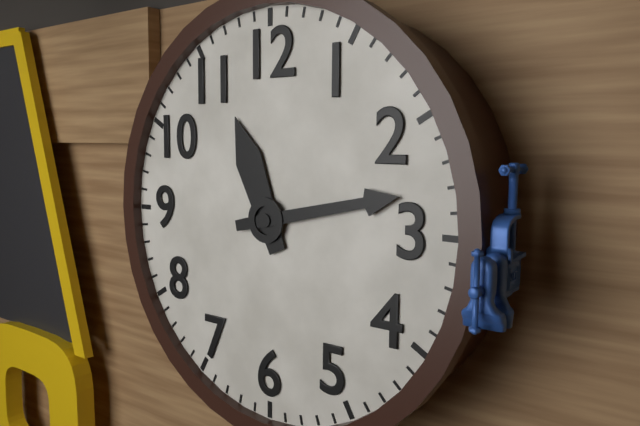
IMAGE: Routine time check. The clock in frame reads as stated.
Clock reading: 11:13
